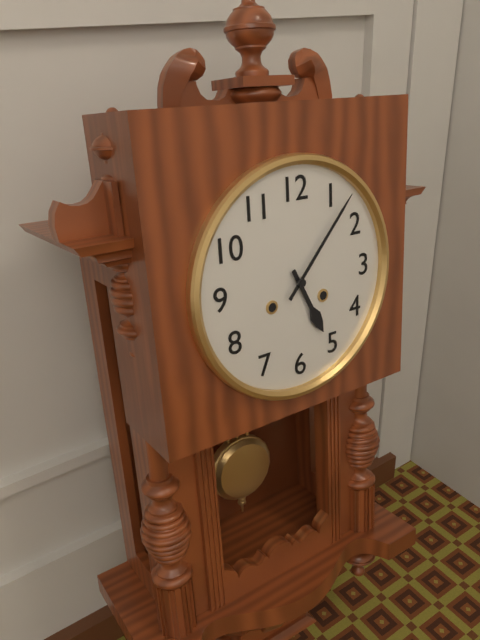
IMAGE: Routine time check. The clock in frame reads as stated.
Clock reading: 5:07
